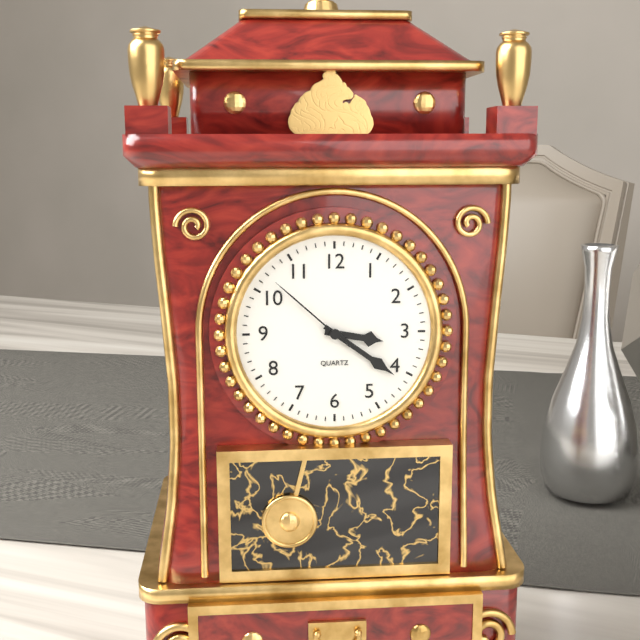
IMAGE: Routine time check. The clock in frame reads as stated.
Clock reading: 3:21:52
